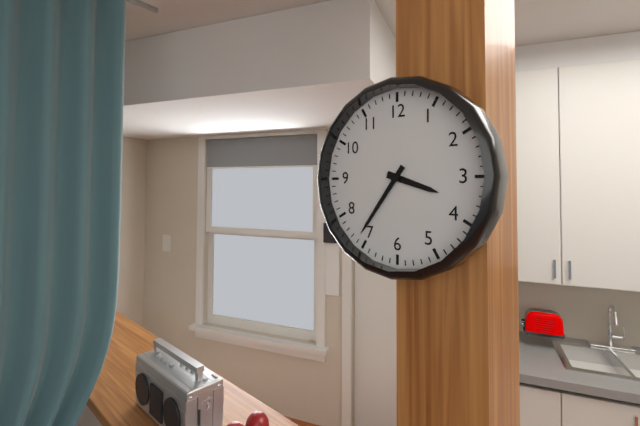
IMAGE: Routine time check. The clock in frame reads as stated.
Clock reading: 3:36
